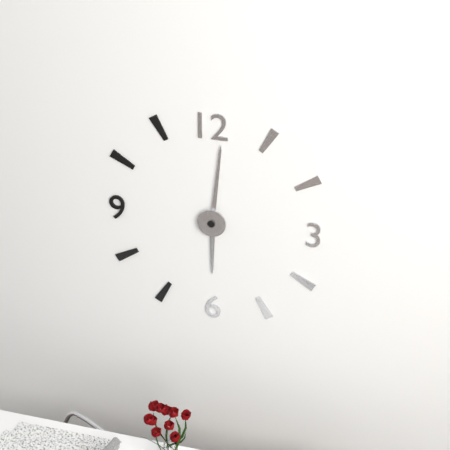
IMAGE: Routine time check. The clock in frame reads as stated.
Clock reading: 6:01
